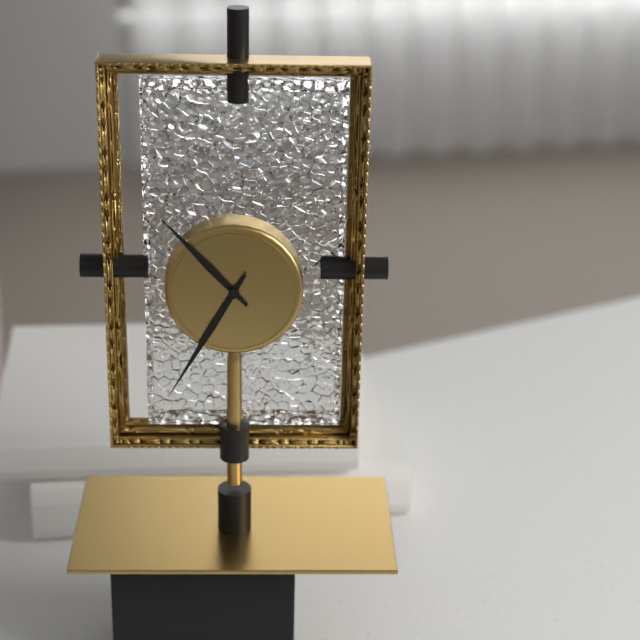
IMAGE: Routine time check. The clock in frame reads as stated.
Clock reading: 10:35
